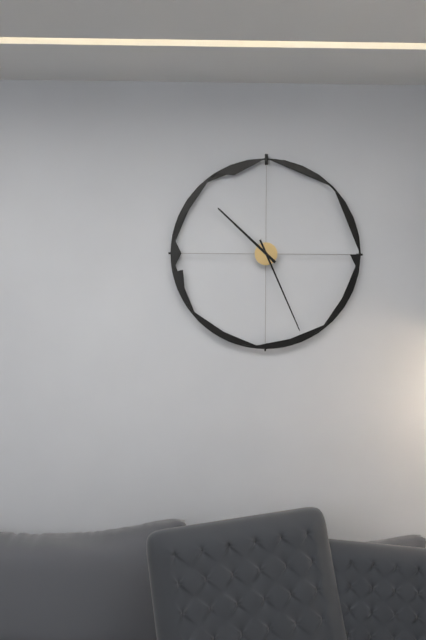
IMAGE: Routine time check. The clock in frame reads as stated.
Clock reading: 10:26
